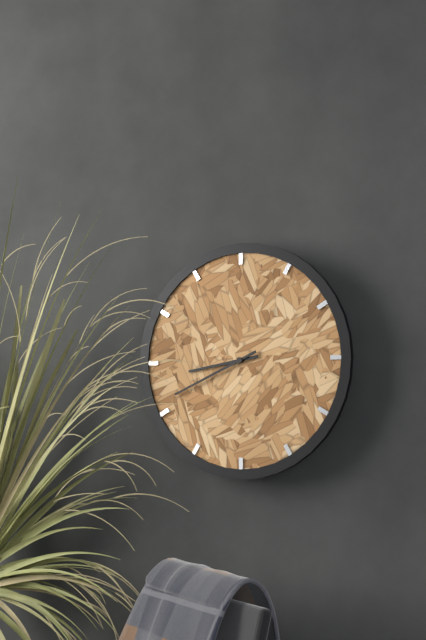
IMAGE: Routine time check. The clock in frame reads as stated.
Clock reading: 8:41
